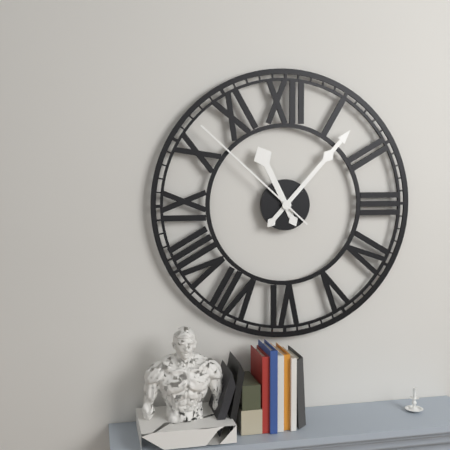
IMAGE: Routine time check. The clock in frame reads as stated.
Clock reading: 11:07:52
